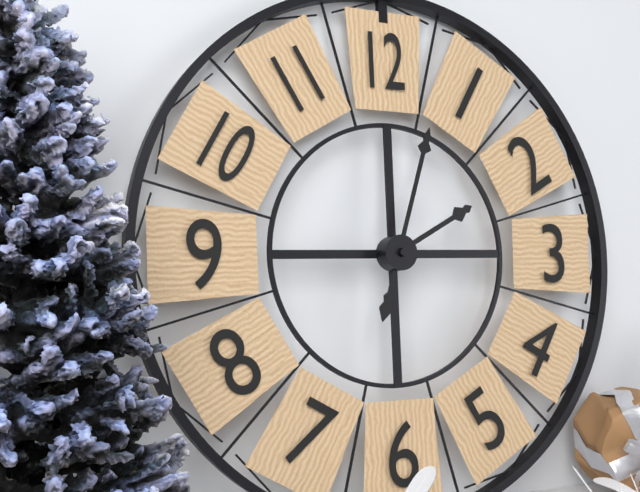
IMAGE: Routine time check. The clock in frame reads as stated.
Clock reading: 2:03
